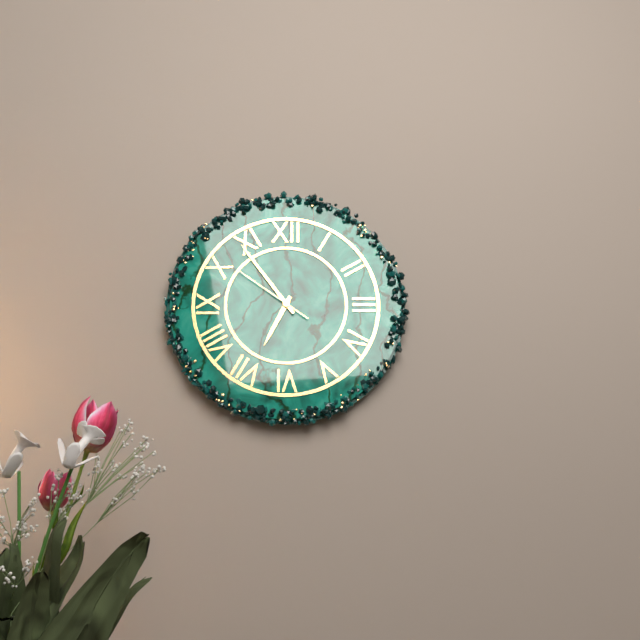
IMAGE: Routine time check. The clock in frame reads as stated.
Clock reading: 6:54:51
